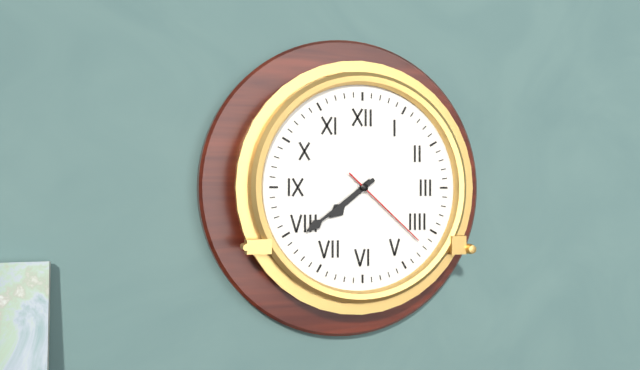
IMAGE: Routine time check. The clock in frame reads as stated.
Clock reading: 7:39:22
